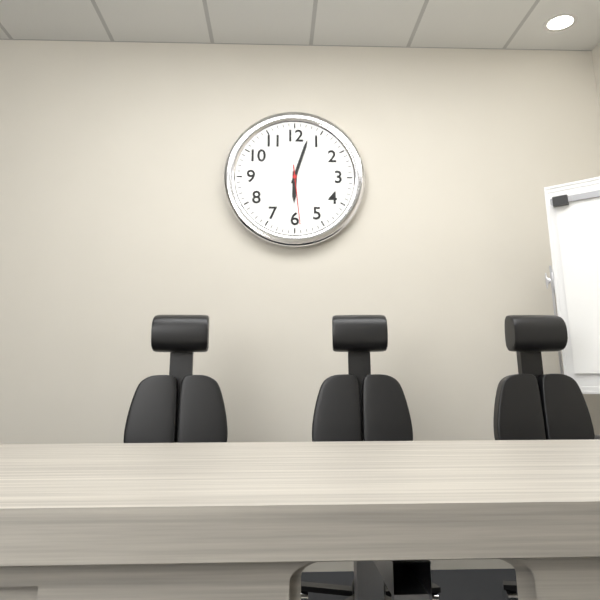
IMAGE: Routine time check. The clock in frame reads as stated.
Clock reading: 6:03:29
